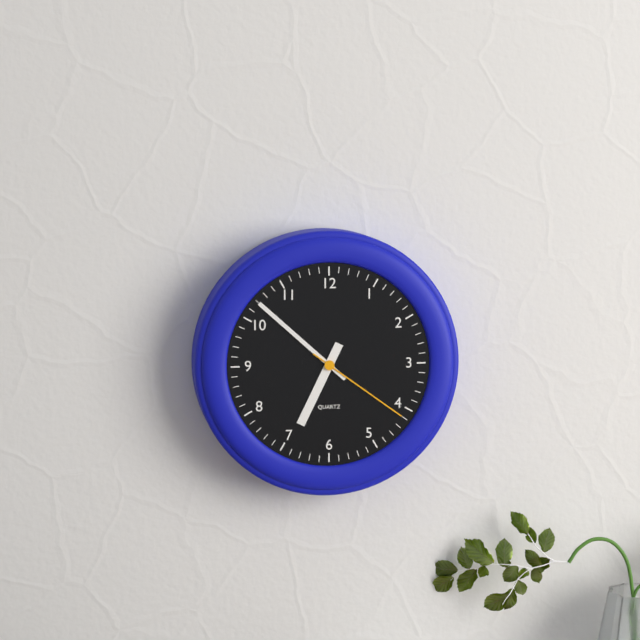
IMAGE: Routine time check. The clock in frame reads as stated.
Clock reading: 6:52:21
